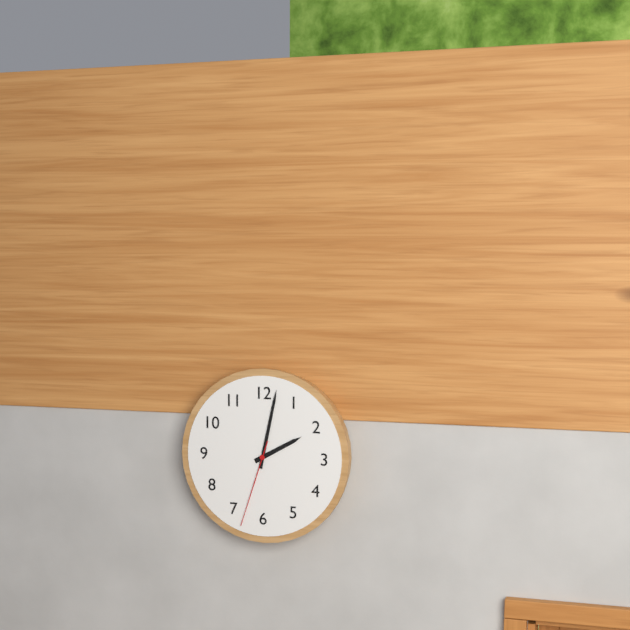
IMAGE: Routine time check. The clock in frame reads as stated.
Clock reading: 2:02:33
